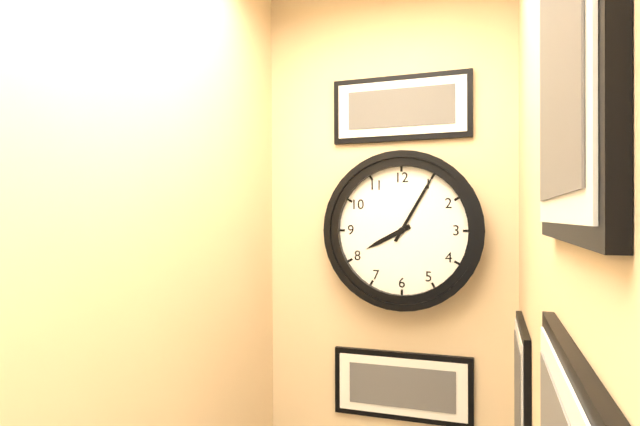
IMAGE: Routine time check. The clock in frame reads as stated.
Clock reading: 8:05
